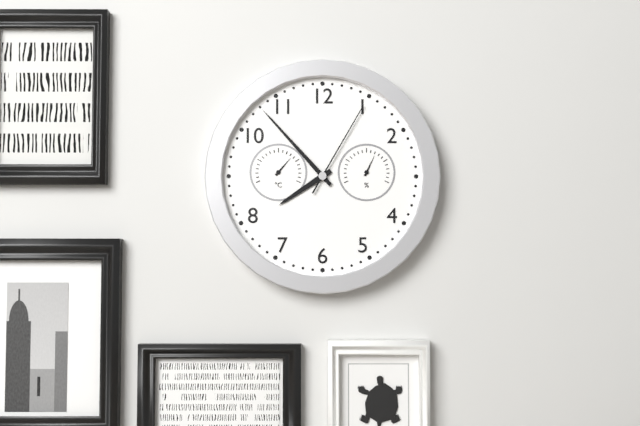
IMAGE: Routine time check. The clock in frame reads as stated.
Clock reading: 7:53:05
